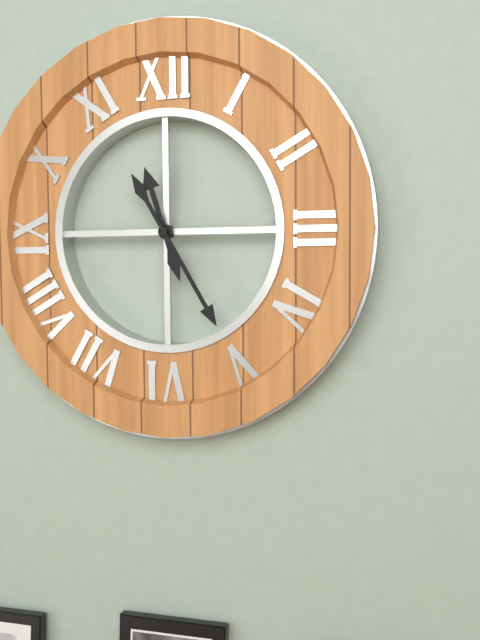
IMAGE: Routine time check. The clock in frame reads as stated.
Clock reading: 11:25
